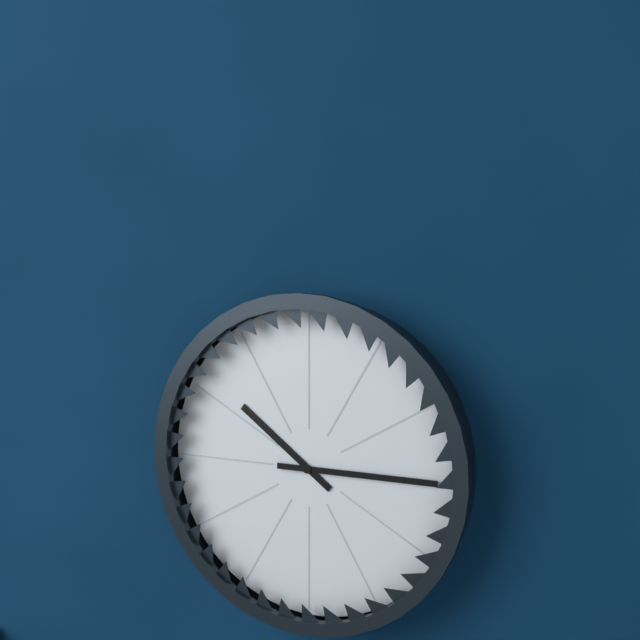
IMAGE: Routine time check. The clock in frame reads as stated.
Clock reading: 10:15
